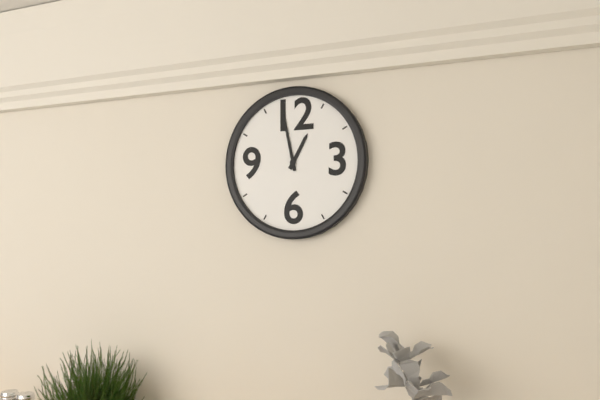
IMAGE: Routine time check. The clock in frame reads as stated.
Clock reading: 12:58
